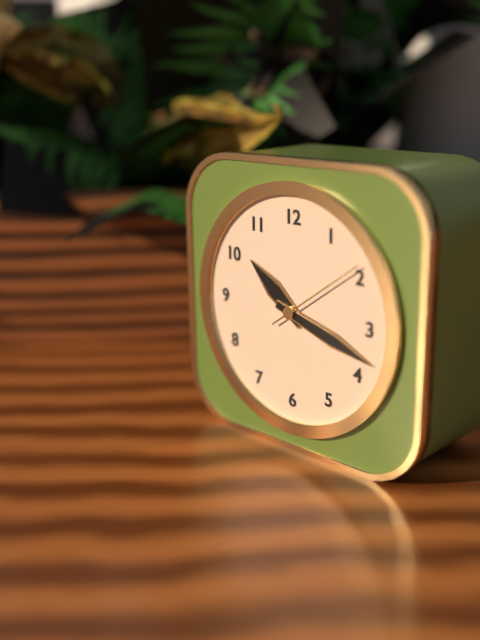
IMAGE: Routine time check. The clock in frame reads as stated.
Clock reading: 10:18:09
